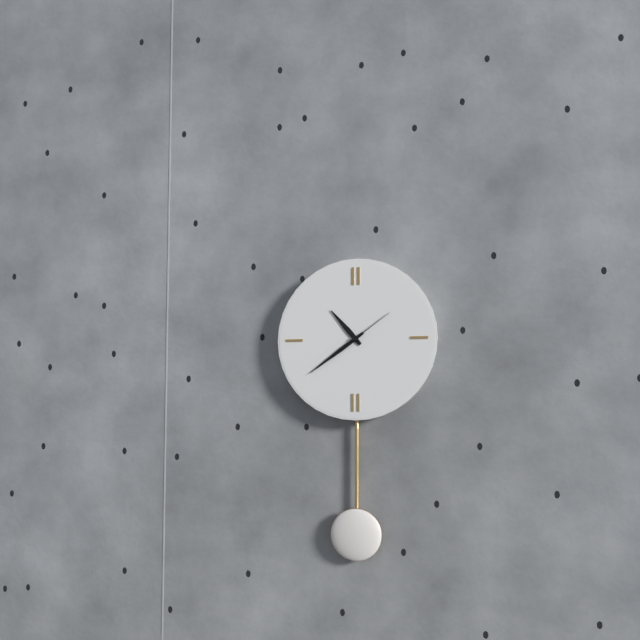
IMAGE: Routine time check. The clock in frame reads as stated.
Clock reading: 10:39:09
